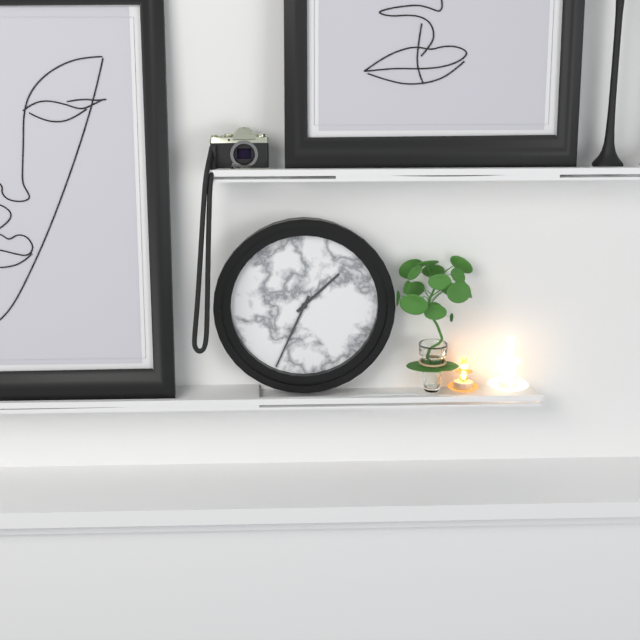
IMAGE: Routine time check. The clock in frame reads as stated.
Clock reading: 1:34
